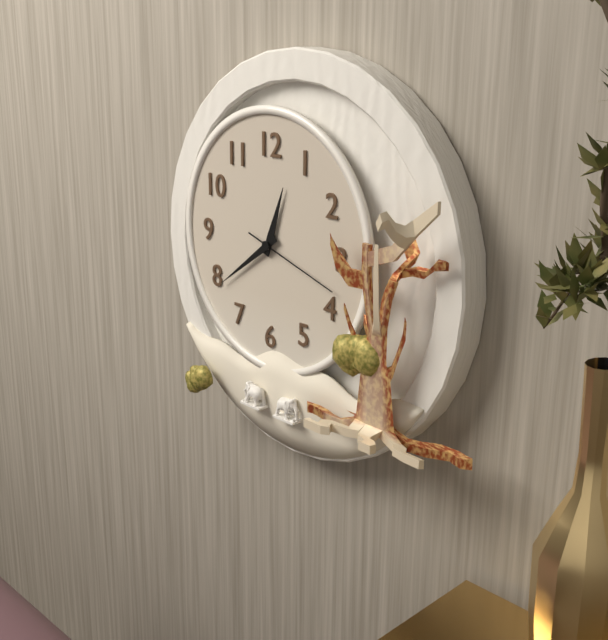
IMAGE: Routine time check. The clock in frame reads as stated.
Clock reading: 12:39:18
